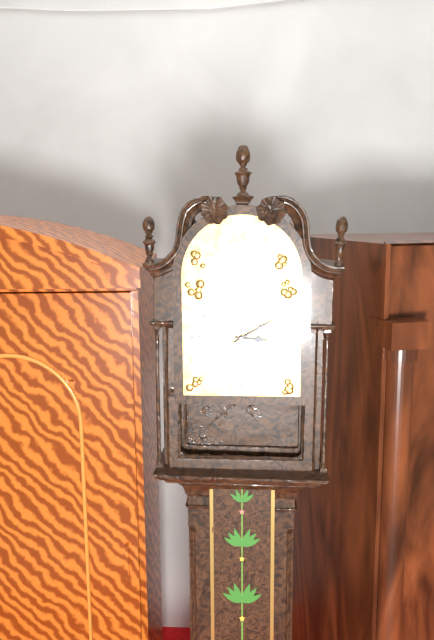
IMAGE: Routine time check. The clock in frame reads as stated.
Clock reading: 3:10
